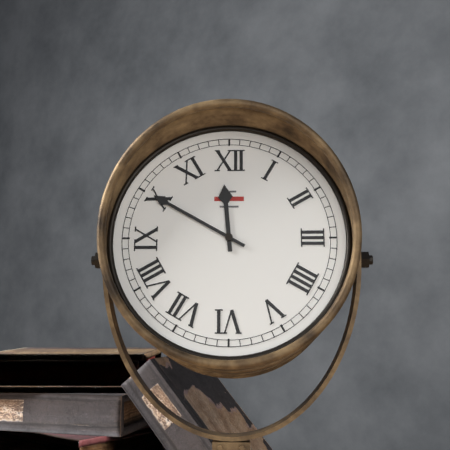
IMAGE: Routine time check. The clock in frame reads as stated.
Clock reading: 11:50
